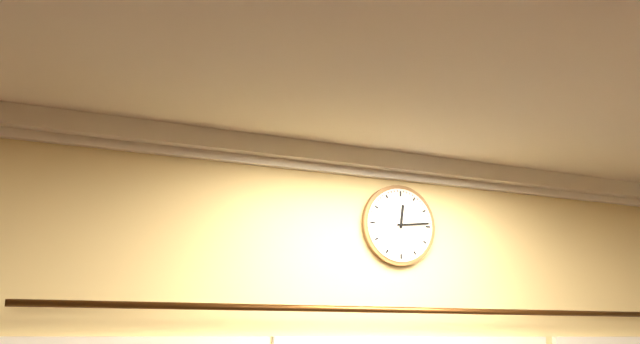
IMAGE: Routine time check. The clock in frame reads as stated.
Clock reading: 12:14
